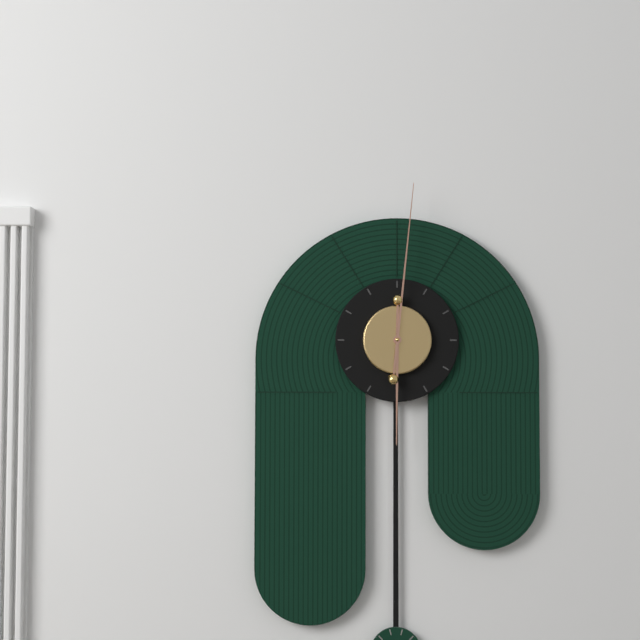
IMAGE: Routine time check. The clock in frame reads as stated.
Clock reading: 6:01
